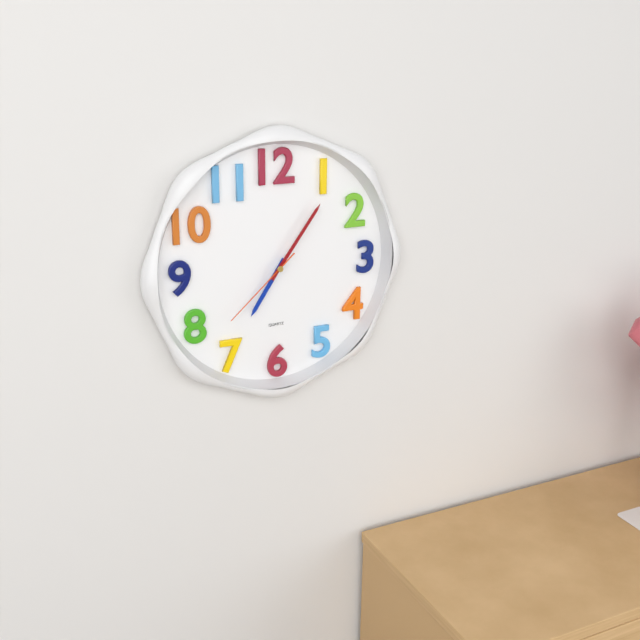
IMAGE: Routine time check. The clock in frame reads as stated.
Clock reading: 7:06:38
